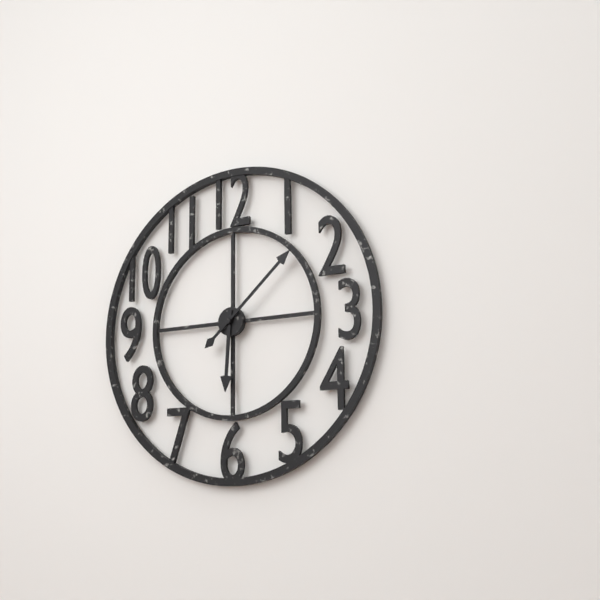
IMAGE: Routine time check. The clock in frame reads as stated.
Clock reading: 6:08
